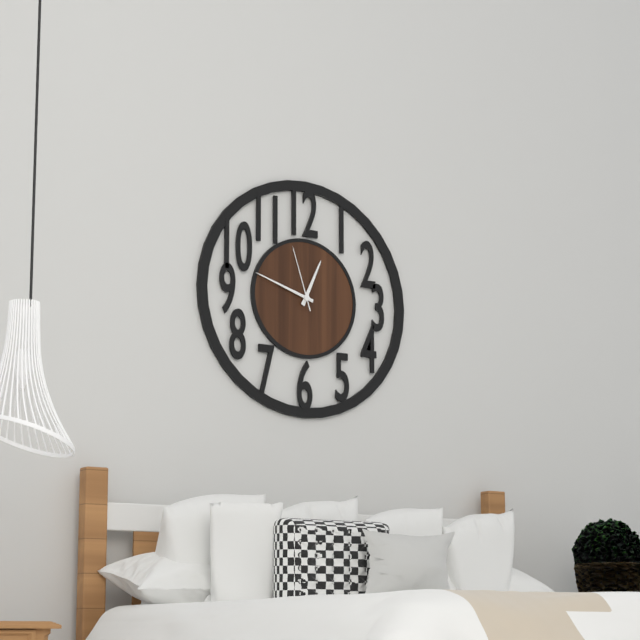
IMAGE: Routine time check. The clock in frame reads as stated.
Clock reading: 12:48:57
